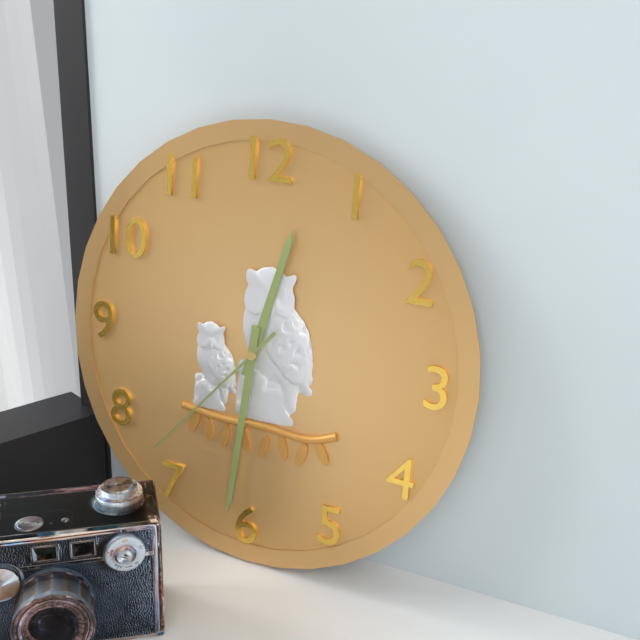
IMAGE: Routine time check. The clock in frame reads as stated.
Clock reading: 12:31:37
